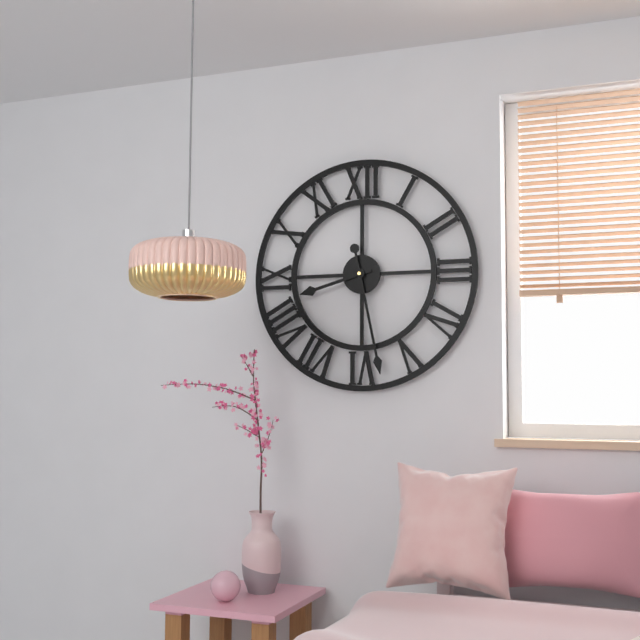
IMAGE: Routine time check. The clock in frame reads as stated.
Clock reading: 8:28
